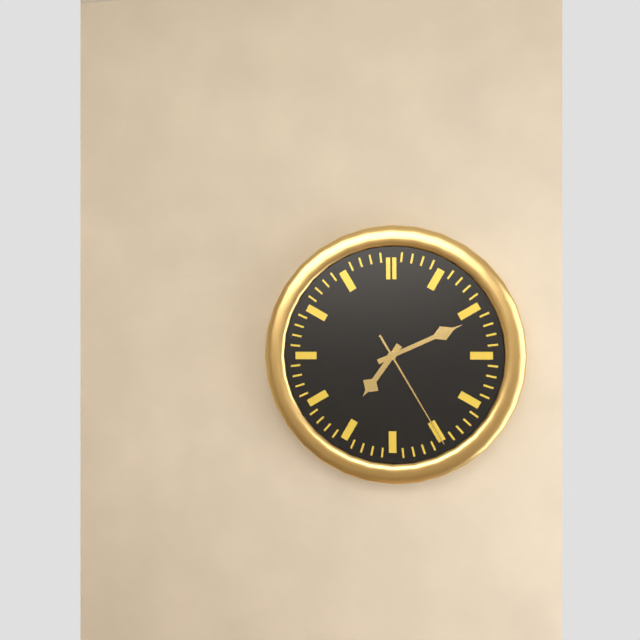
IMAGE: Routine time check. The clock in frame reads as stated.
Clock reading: 7:11:25
